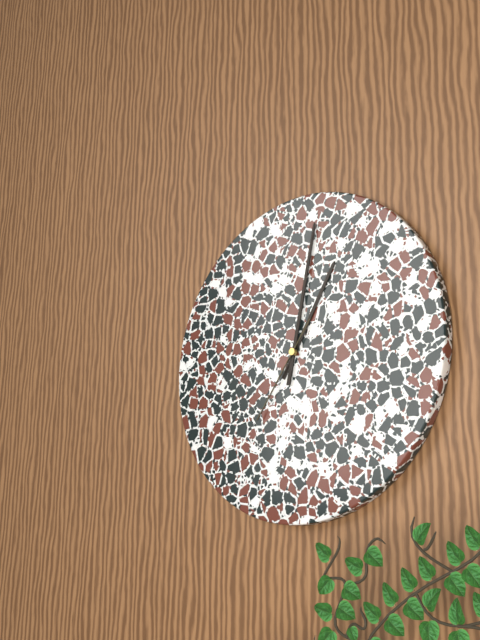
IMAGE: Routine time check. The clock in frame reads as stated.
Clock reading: 1:02:36
